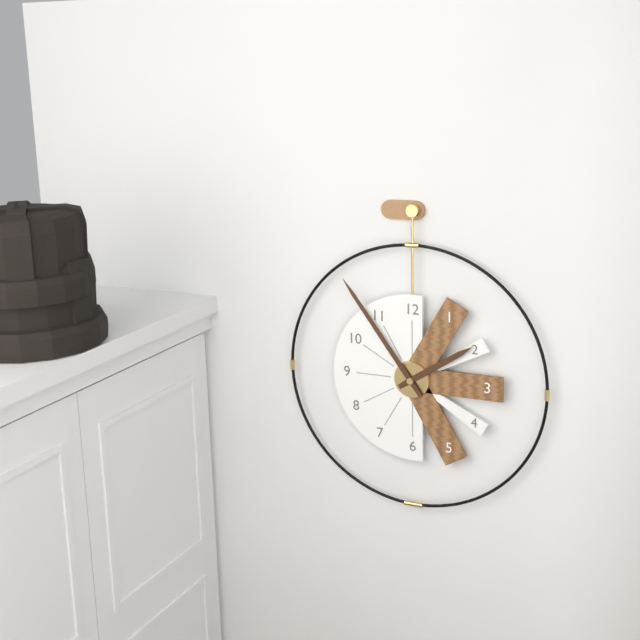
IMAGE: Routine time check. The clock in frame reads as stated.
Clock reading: 1:54
